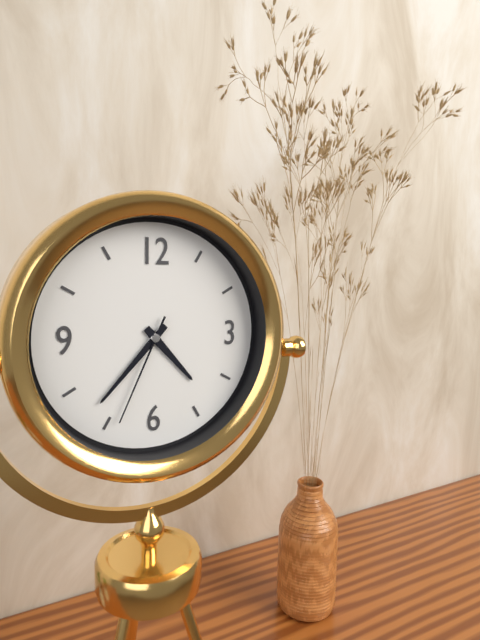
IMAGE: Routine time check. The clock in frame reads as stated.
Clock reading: 4:37:34
